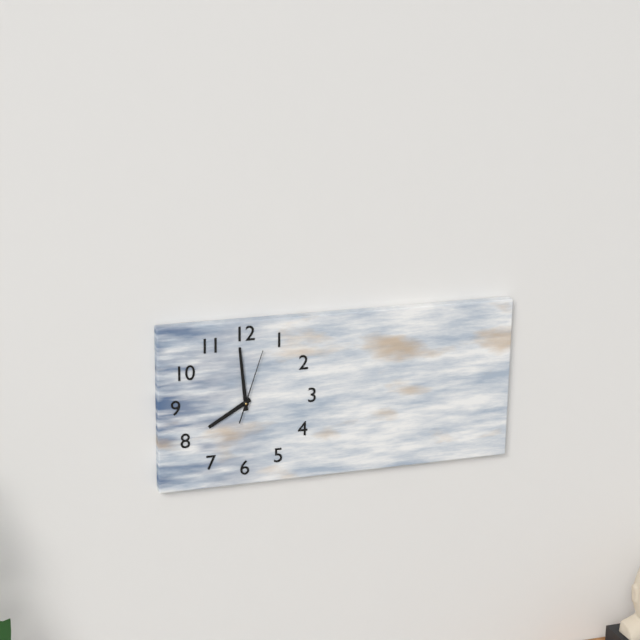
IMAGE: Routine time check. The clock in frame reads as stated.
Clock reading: 7:59:03
